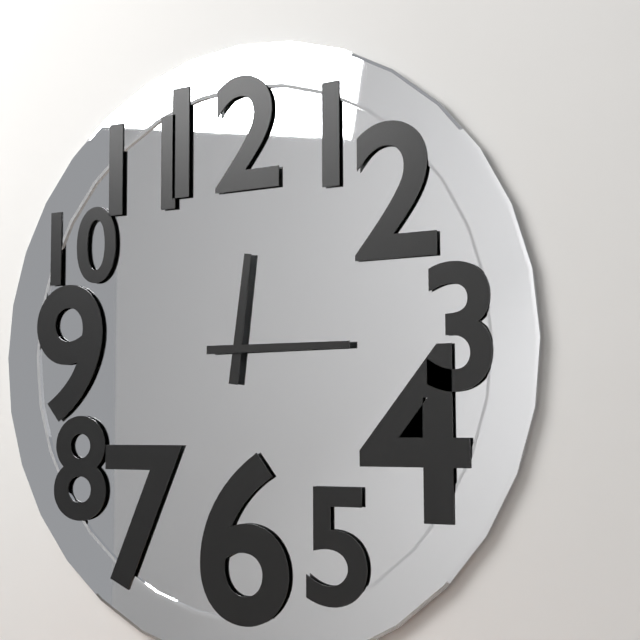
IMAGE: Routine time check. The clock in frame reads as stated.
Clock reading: 12:15
